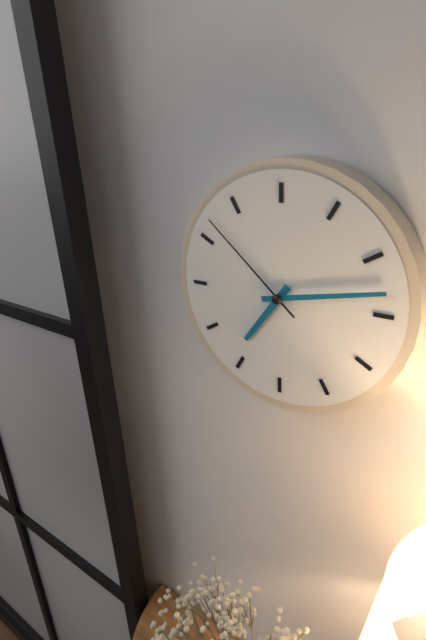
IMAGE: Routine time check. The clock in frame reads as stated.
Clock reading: 7:13:52
